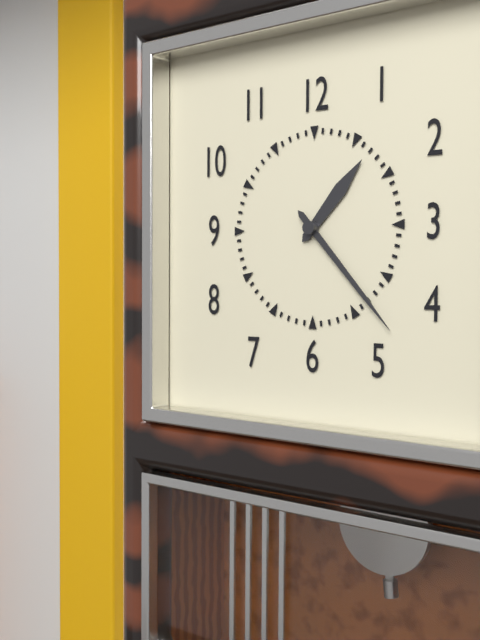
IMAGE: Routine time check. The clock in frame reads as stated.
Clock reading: 1:23
